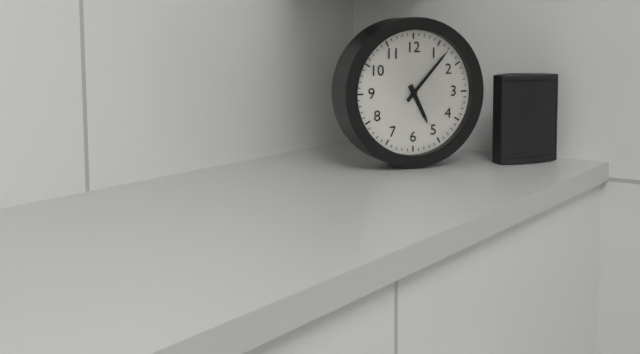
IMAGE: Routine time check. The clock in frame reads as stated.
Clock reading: 5:07
